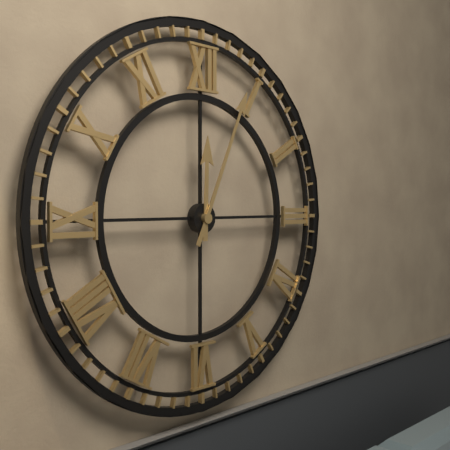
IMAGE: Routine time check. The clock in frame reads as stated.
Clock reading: 12:04
